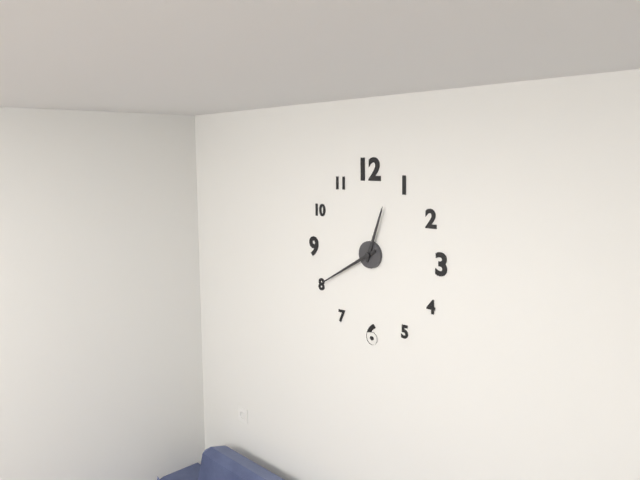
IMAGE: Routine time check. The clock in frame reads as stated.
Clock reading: 12:40
